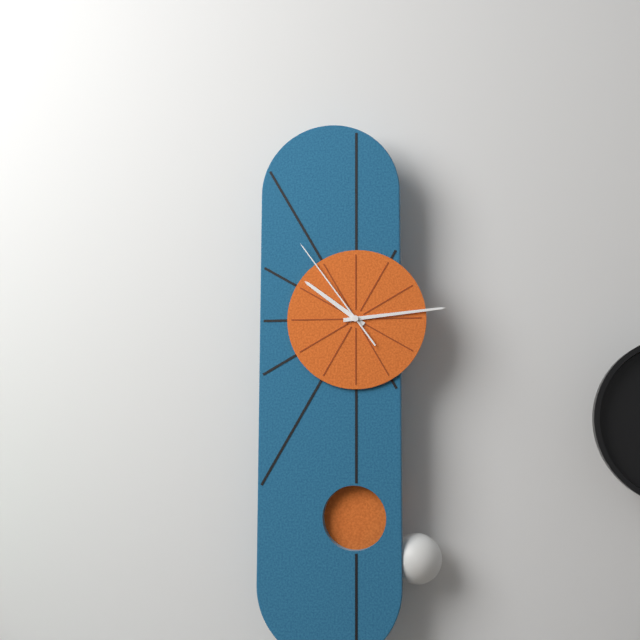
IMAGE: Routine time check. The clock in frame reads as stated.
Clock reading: 10:14:54
